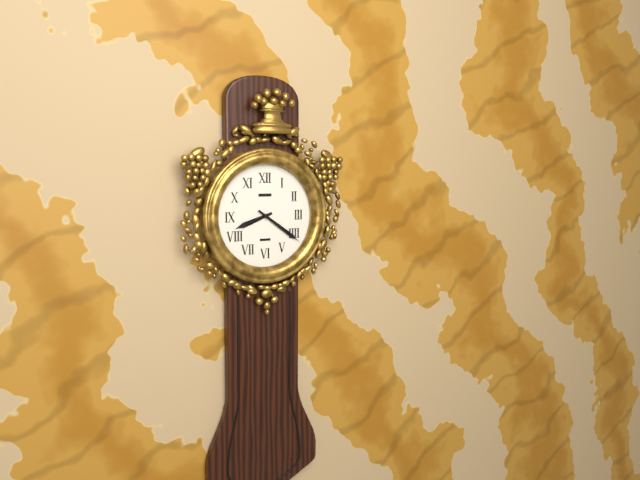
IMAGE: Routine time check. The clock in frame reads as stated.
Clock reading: 8:21
